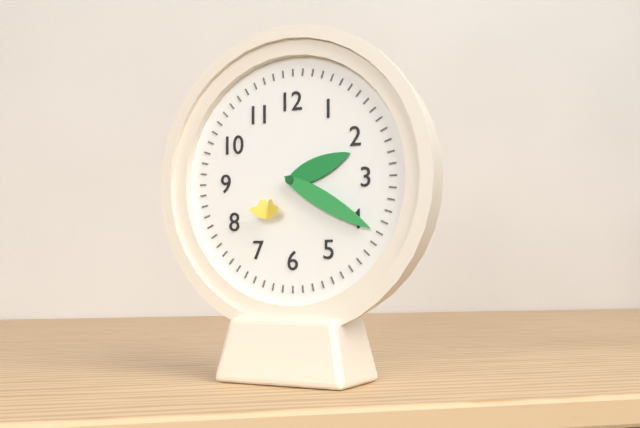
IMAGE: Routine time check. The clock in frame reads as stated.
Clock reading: 2:20
